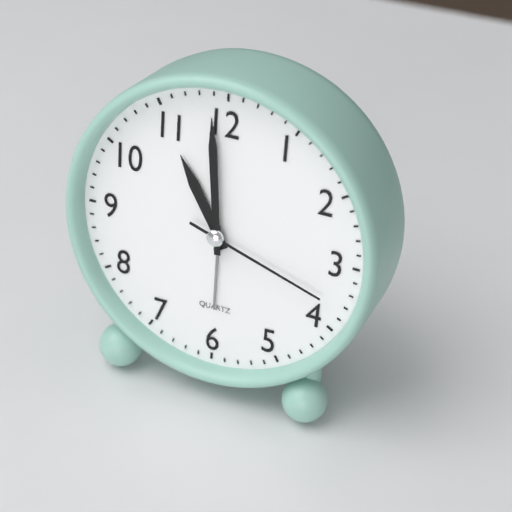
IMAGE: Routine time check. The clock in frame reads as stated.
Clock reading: 10:59:18
